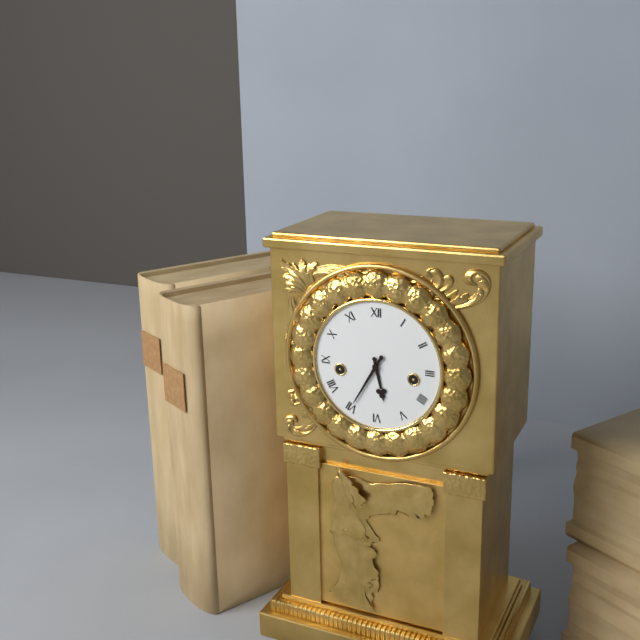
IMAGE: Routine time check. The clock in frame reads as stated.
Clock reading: 5:35
